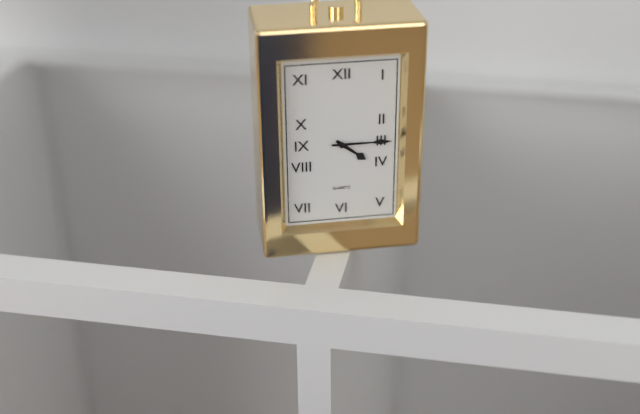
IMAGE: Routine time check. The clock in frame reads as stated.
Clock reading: 4:15
